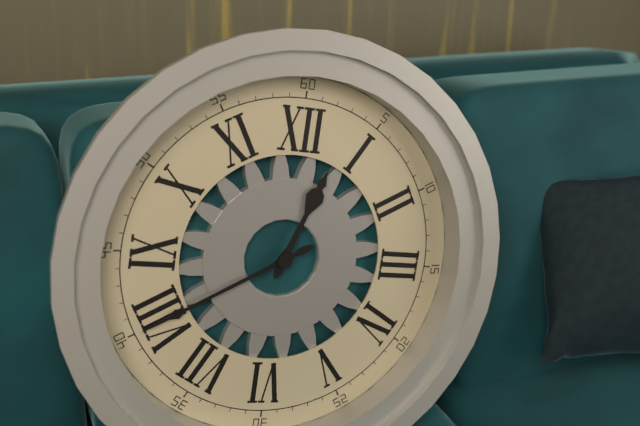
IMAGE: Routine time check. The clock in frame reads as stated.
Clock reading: 12:40
